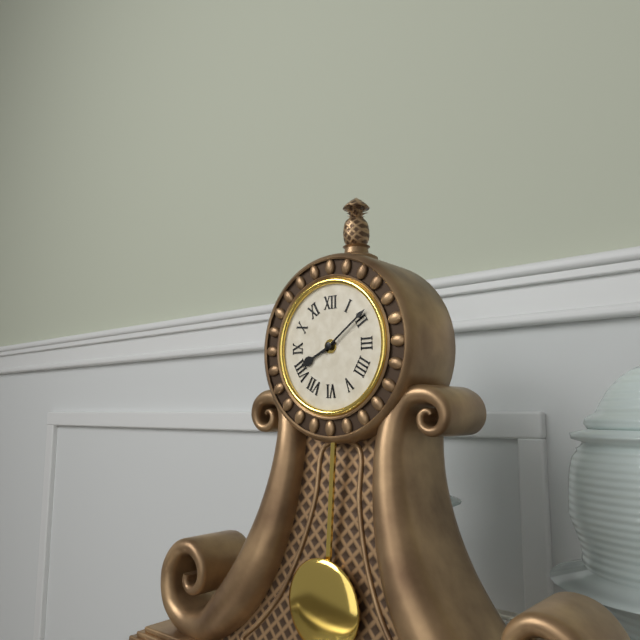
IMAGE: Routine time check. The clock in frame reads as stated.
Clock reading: 8:09
